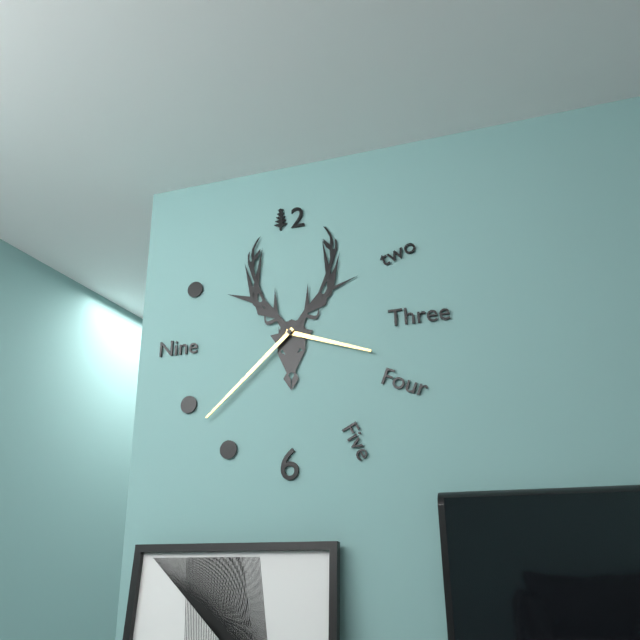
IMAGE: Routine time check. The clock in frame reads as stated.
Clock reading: 3:38
